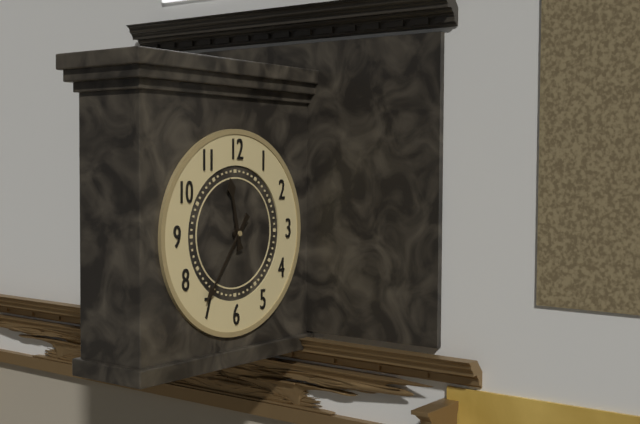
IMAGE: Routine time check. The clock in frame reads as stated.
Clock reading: 11:36
